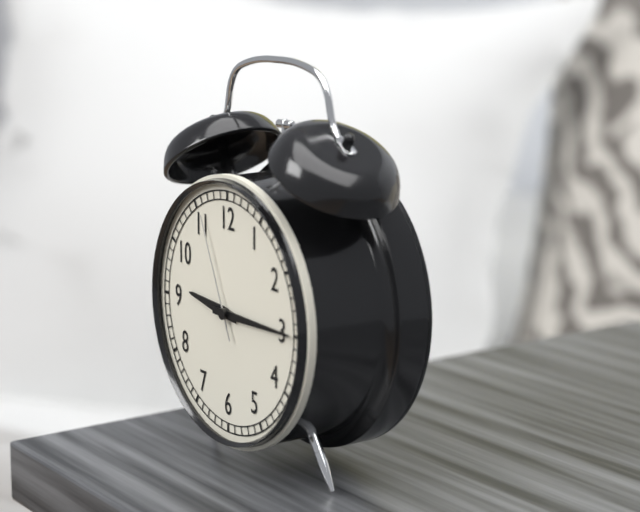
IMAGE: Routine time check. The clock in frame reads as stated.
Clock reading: 9:15:56
